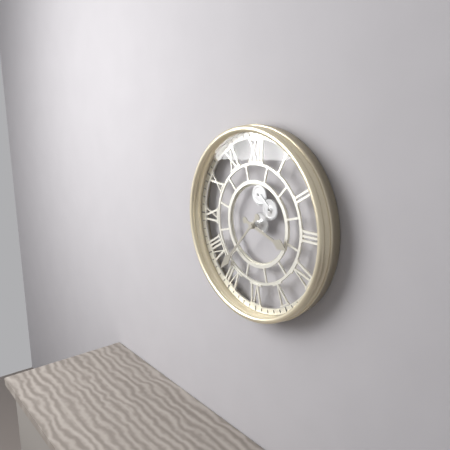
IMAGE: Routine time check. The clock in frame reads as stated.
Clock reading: 3:37
